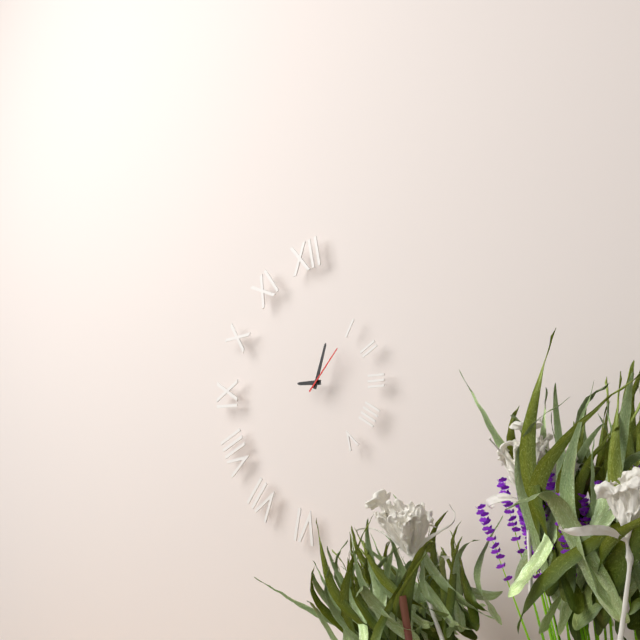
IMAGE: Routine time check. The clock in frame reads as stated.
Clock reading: 9:03:07
